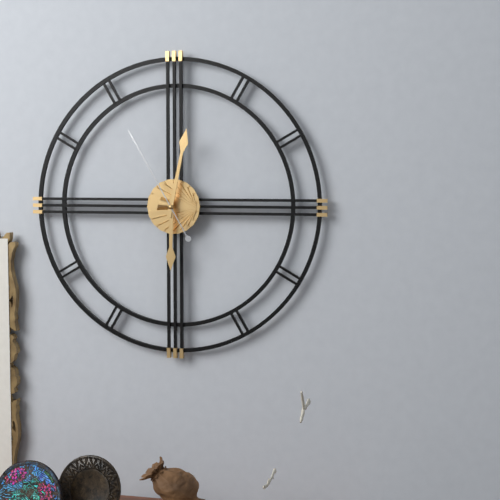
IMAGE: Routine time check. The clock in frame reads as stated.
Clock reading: 6:02:55
